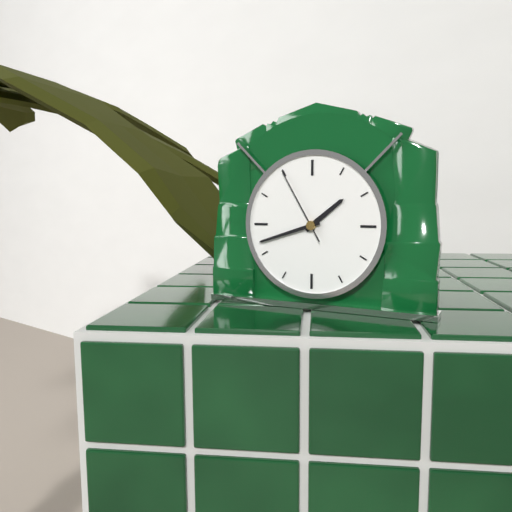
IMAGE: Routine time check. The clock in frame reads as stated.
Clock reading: 1:42:55
